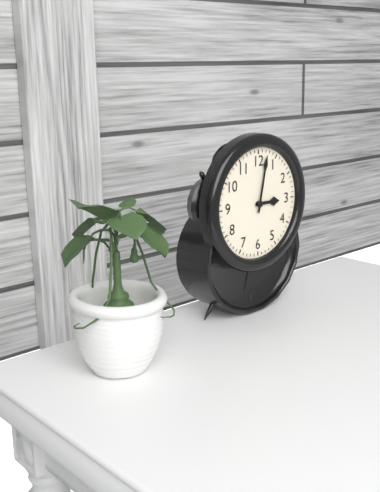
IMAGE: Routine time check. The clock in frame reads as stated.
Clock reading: 3:02
